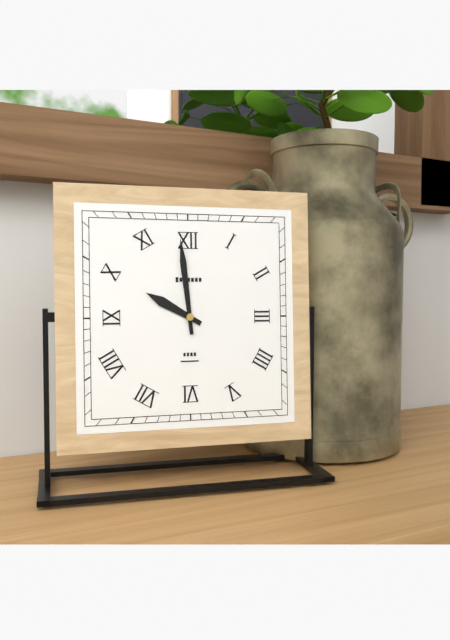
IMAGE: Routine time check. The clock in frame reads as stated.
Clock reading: 9:59
